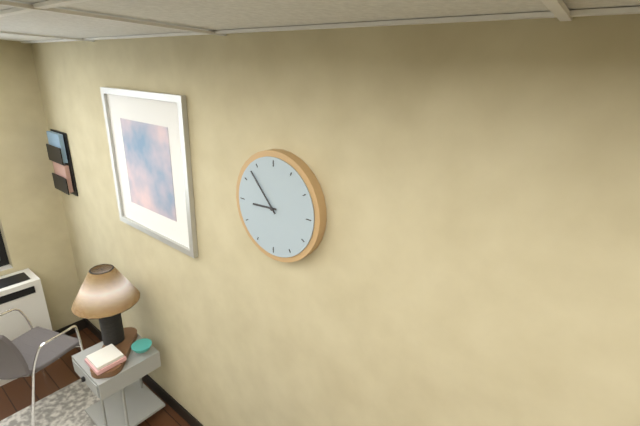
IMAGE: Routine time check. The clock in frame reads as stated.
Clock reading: 8:53
